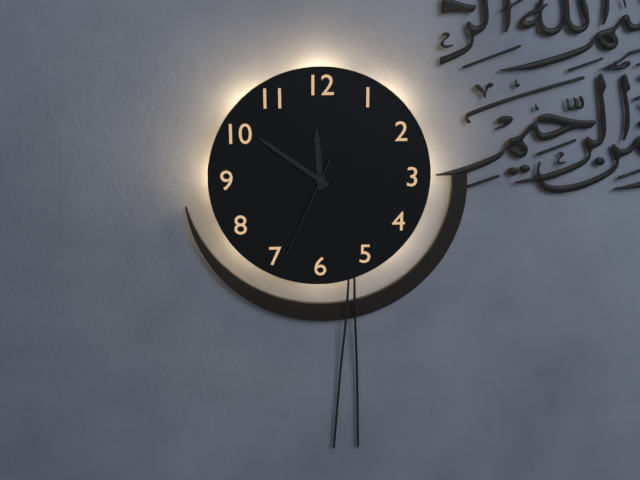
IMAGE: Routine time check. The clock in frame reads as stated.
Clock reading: 11:51:34
